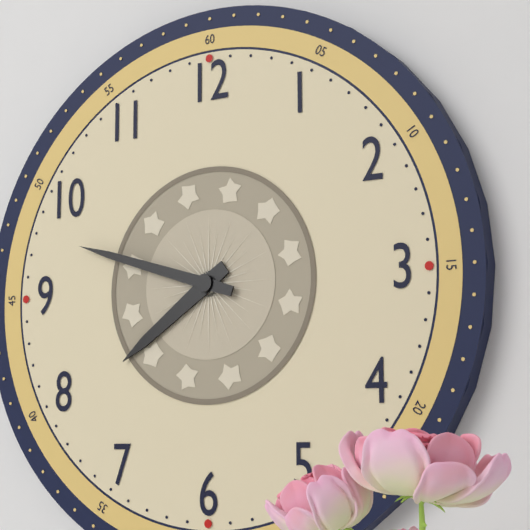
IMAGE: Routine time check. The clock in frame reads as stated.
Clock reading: 7:48
